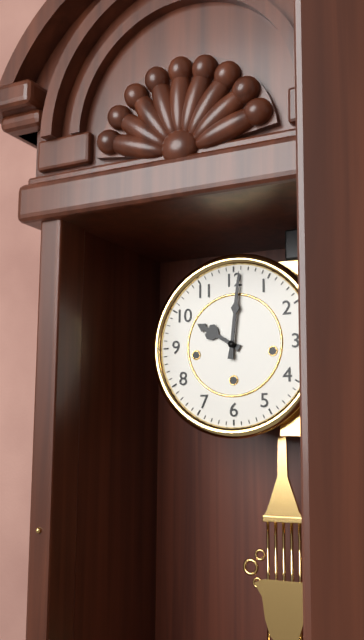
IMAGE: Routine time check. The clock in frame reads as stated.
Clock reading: 10:01
